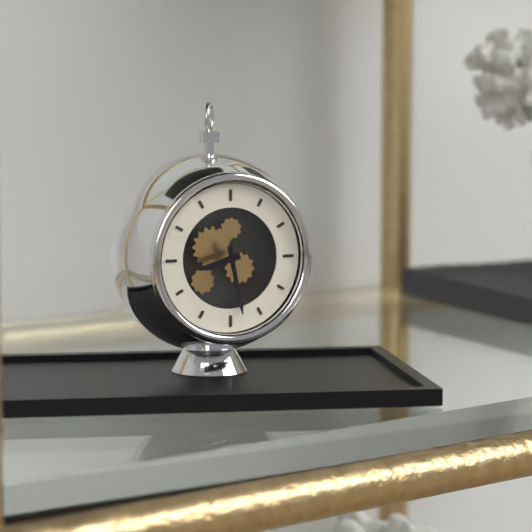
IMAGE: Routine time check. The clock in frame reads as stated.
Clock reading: 8:28
